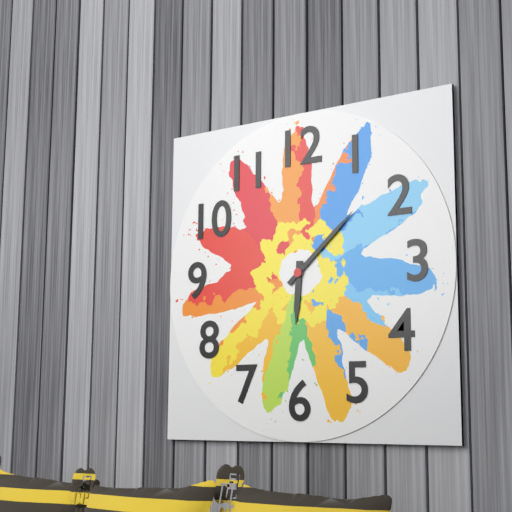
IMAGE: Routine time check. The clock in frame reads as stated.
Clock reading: 6:08
